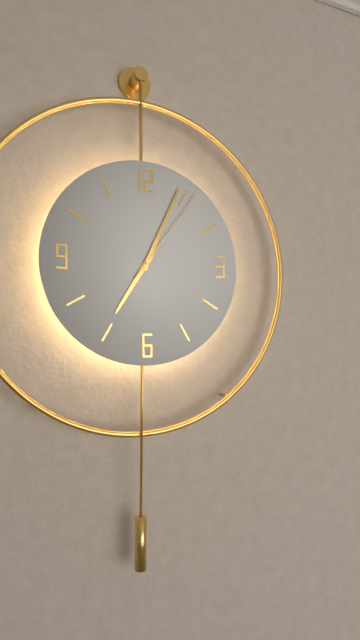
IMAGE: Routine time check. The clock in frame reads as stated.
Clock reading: 7:04:06
